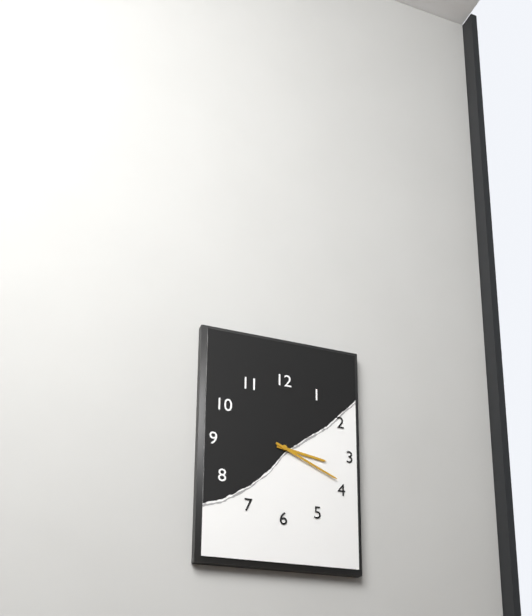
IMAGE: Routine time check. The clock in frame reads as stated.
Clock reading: 3:19
